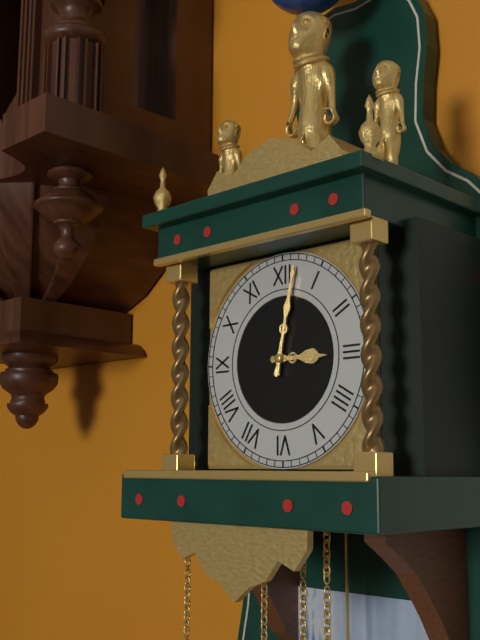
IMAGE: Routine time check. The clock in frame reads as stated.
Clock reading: 3:02
